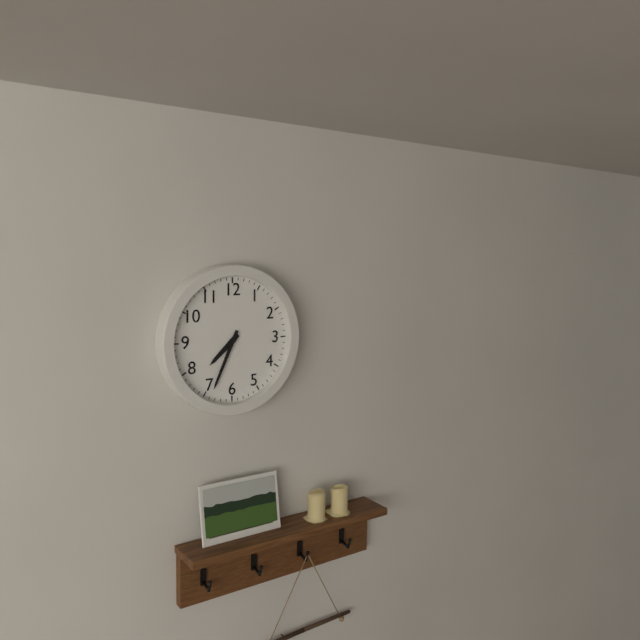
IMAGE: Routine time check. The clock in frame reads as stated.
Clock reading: 7:34
